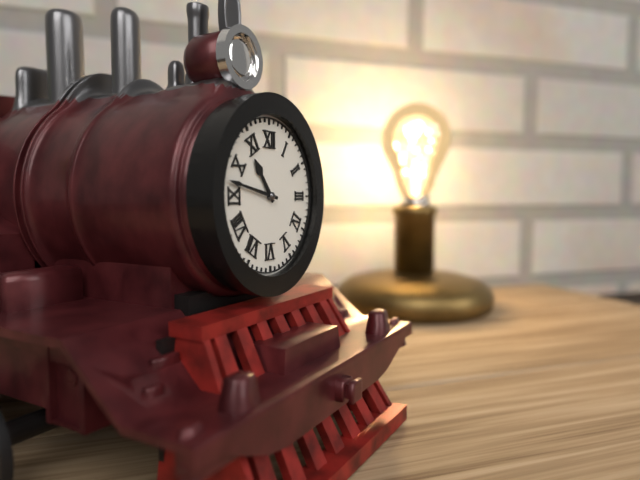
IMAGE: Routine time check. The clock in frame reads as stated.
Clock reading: 10:47
